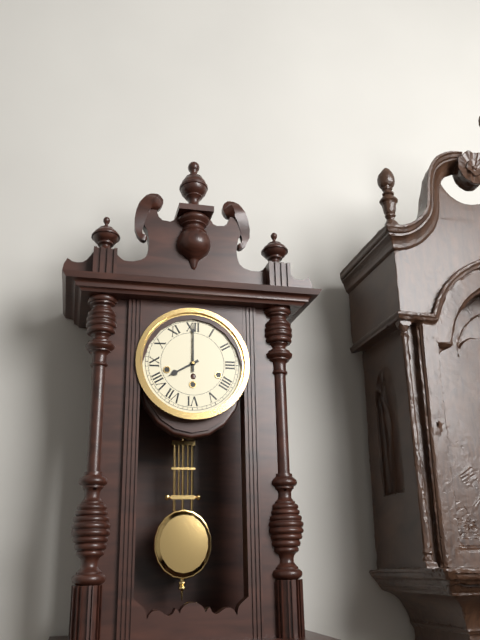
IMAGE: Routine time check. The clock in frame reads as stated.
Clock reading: 8:00
